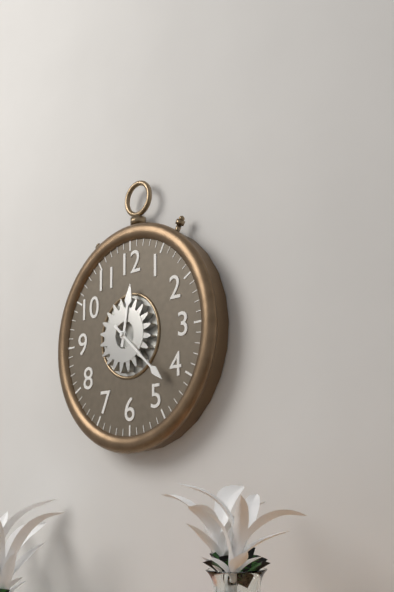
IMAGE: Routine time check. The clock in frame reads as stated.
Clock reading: 12:22
